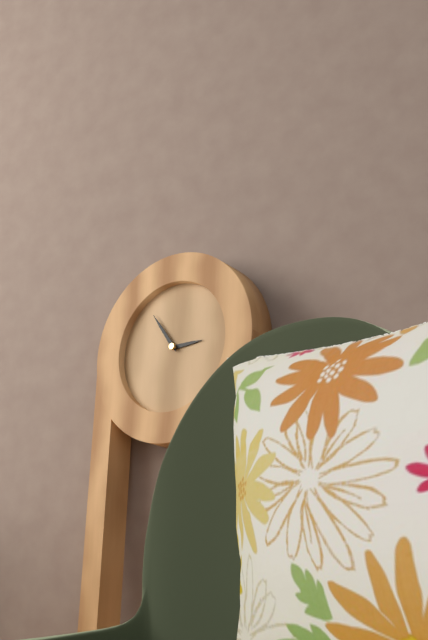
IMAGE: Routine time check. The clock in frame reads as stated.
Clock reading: 2:54
